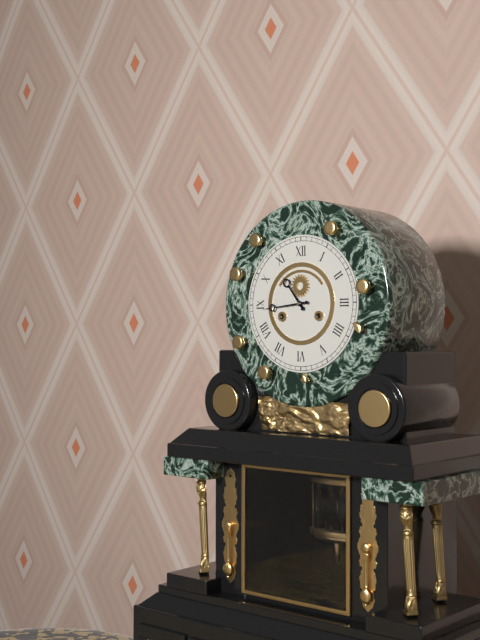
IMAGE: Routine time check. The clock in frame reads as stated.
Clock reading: 10:44
